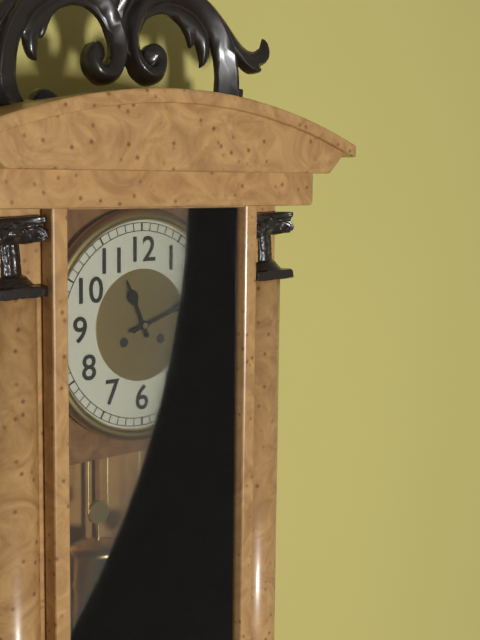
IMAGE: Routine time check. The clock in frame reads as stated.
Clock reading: 11:12
